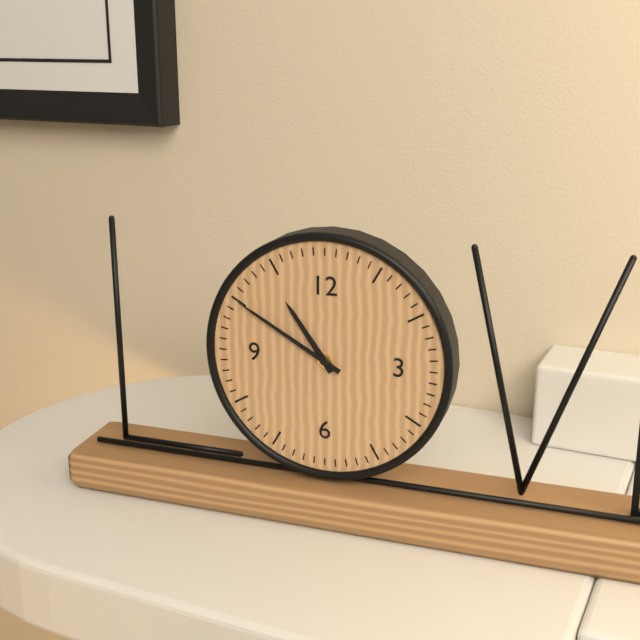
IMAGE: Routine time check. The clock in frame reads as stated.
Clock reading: 10:50
